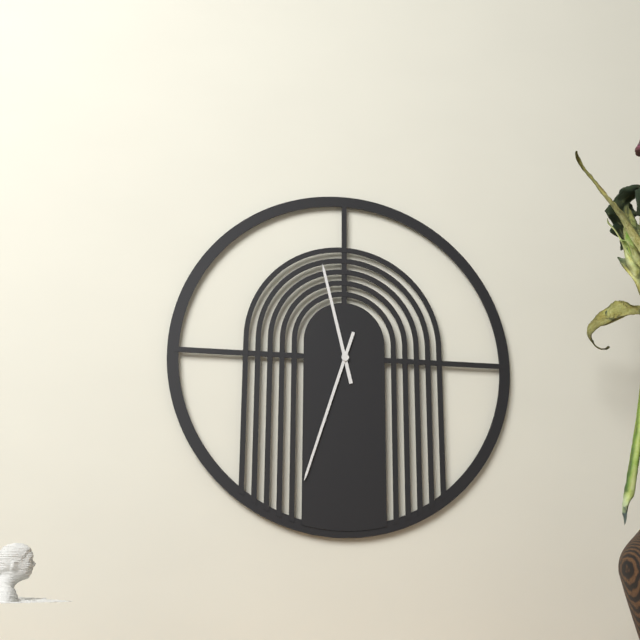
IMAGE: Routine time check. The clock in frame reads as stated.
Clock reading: 11:33
